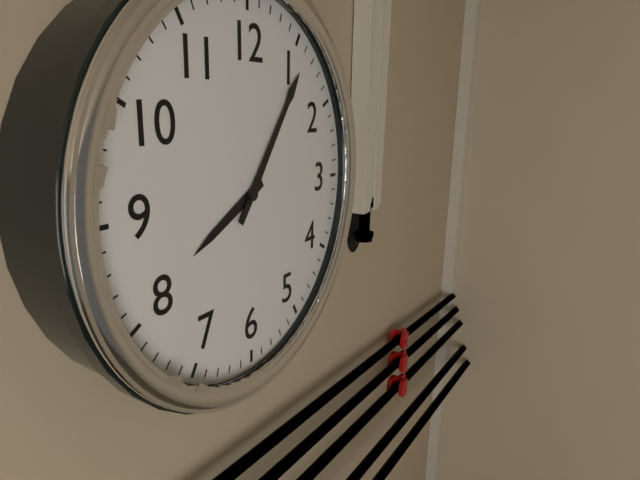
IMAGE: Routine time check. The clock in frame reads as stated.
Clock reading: 8:06
